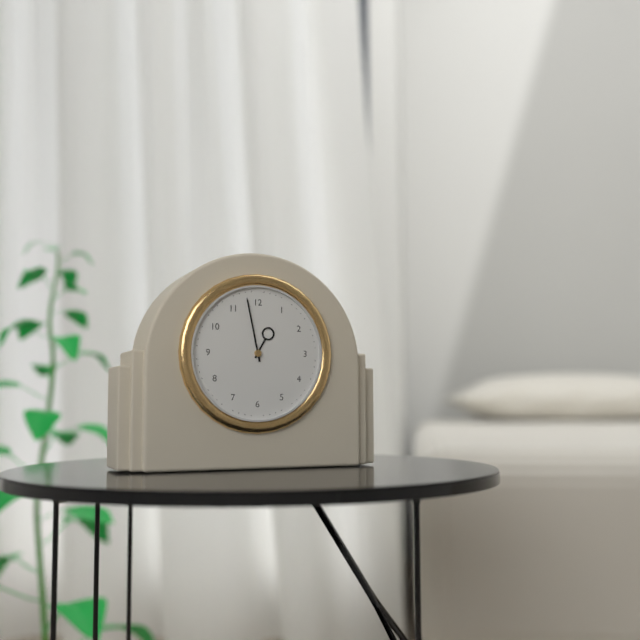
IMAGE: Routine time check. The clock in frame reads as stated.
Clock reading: 12:58
